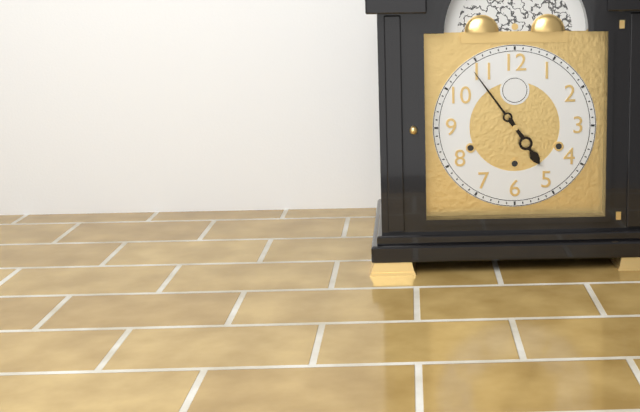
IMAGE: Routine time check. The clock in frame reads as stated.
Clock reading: 4:54
